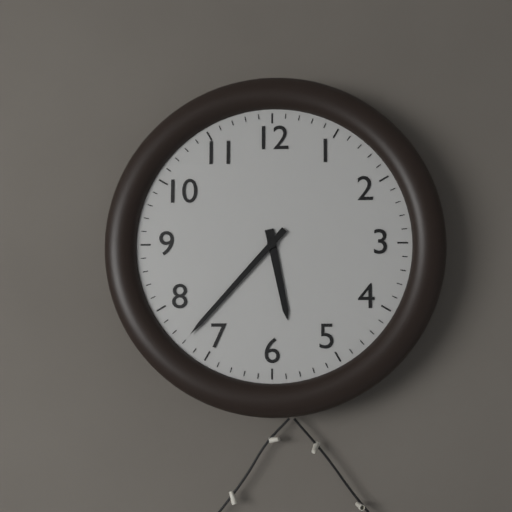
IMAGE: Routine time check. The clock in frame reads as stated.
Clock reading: 5:37
